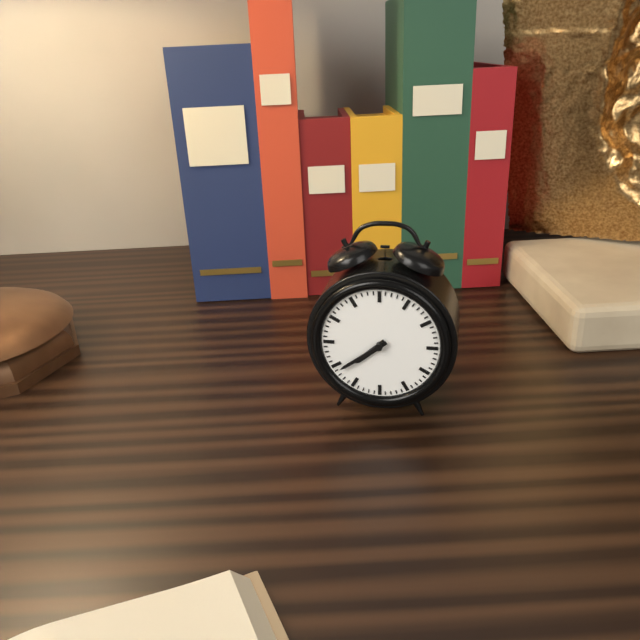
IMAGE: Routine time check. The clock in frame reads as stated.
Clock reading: 7:39
